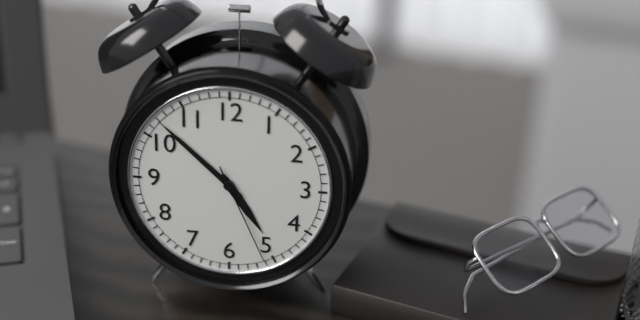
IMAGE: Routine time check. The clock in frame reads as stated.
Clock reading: 4:52:26
